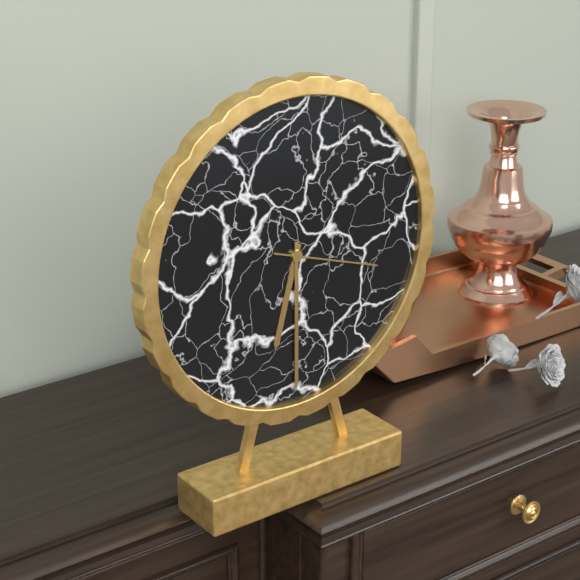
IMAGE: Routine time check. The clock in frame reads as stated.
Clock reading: 6:30:18
